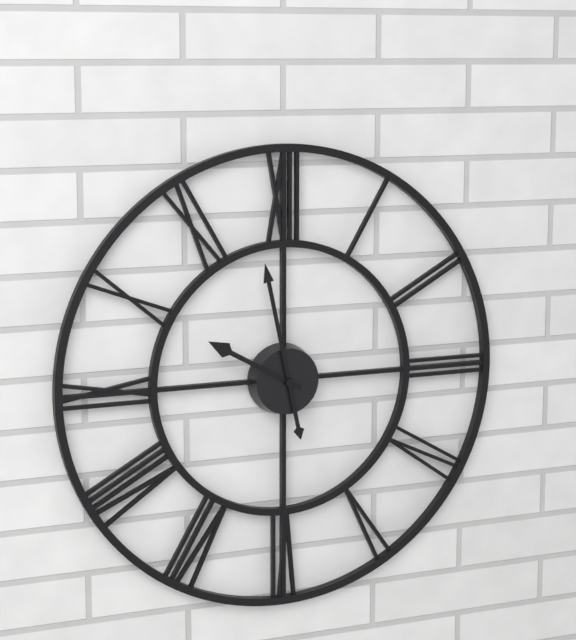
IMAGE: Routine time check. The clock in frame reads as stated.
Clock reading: 9:58
